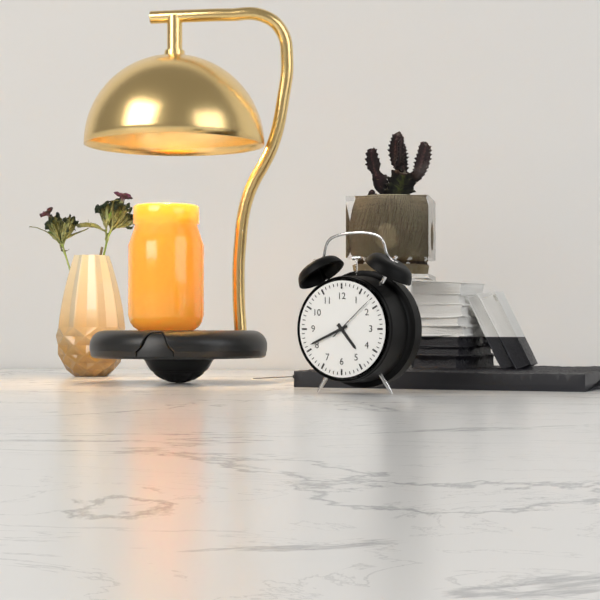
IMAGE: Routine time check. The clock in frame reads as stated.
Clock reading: 4:41
